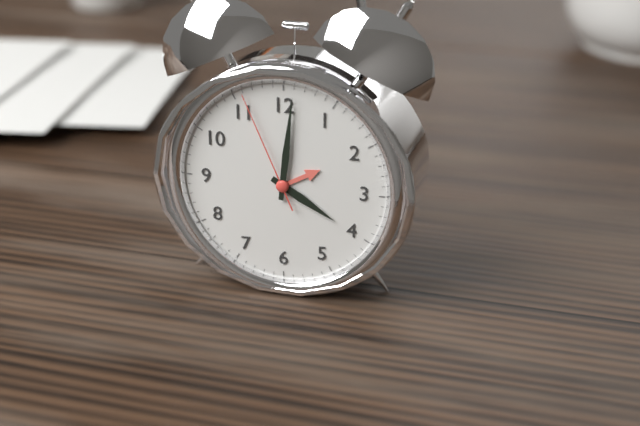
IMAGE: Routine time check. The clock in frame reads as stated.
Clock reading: 4:01:56
